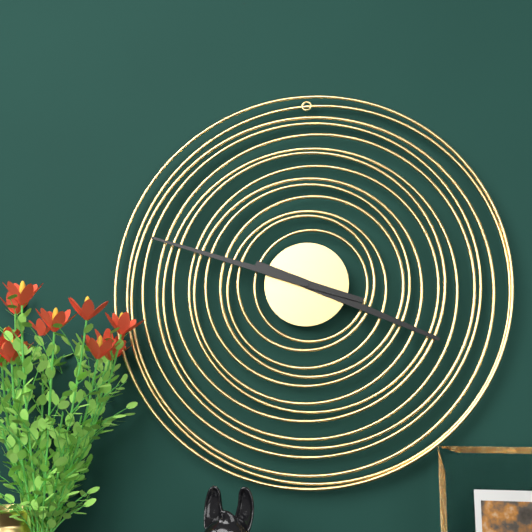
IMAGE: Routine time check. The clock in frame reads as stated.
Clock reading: 3:48
